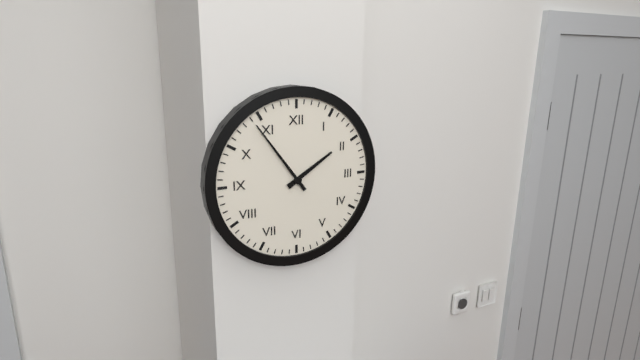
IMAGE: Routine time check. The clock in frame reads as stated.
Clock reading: 1:54
